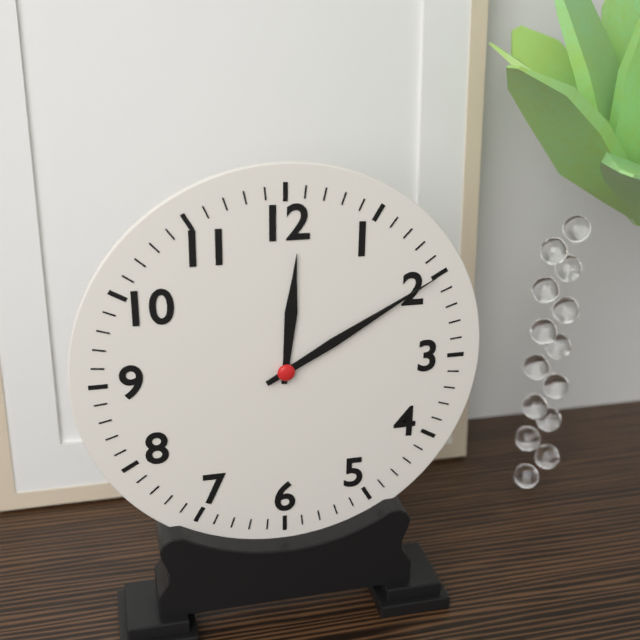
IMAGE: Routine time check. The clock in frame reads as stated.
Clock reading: 12:10
